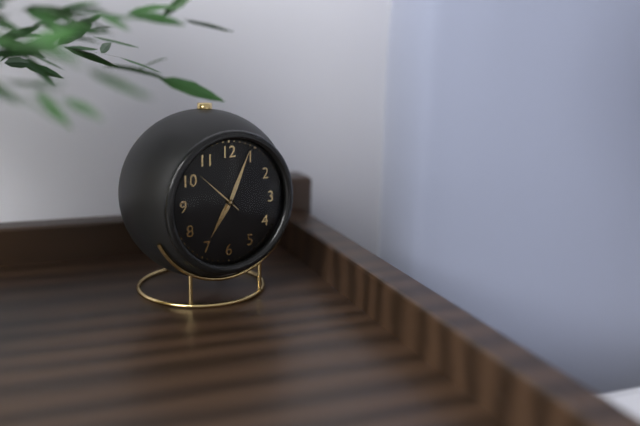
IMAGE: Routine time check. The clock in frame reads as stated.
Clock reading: 7:04:52
